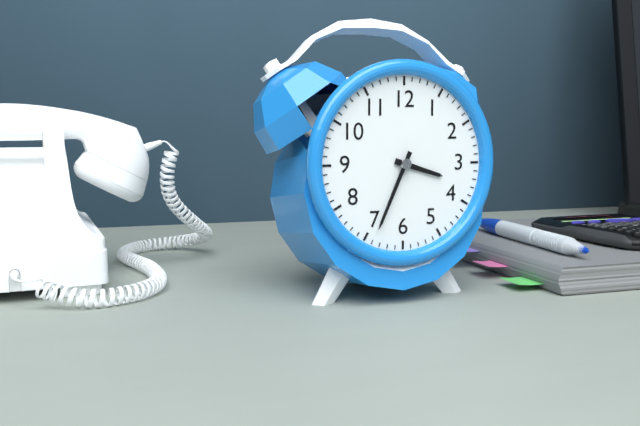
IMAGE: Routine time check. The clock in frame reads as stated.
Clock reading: 3:34
